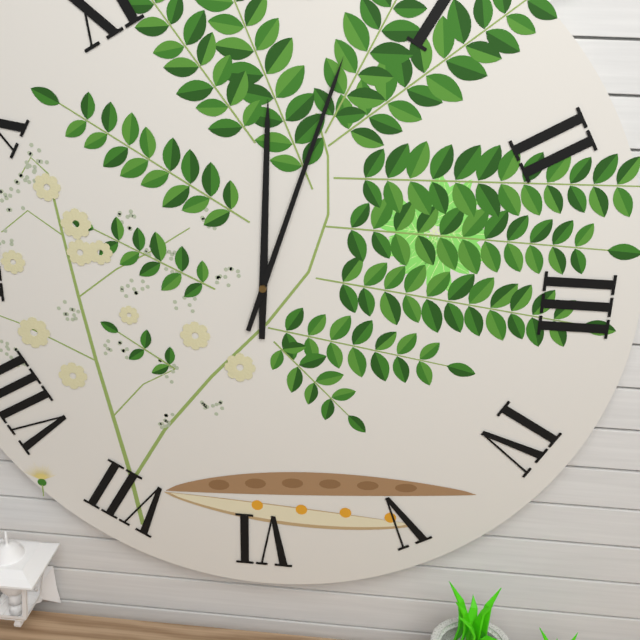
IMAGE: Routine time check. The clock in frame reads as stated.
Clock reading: 12:03
